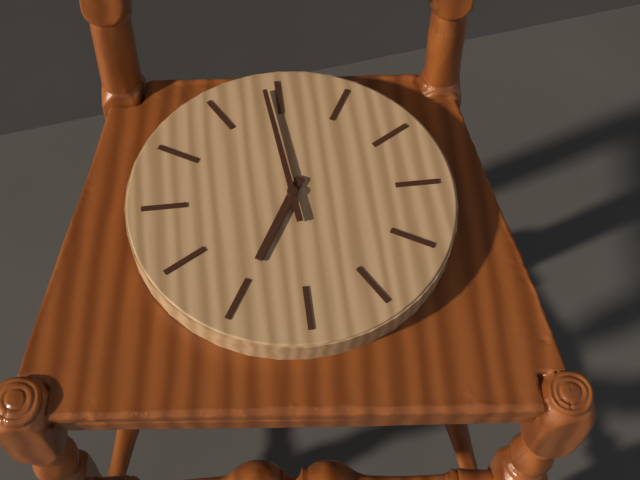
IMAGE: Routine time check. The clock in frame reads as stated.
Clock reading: 6:59
